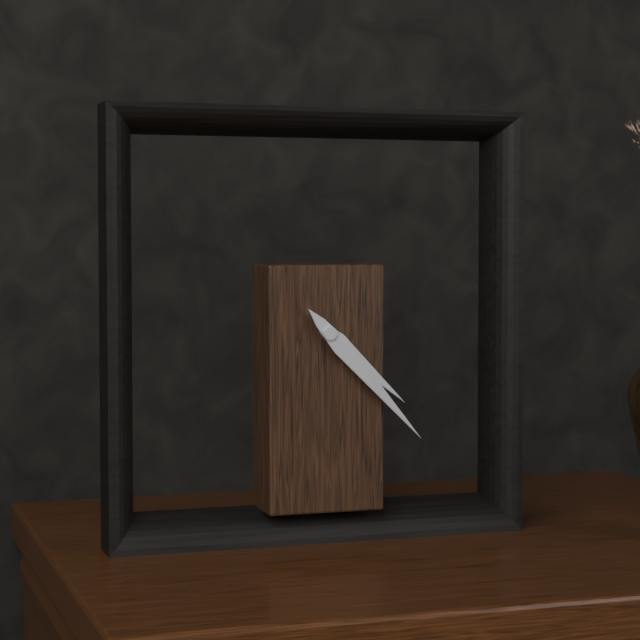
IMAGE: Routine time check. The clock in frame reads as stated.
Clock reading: 4:23
